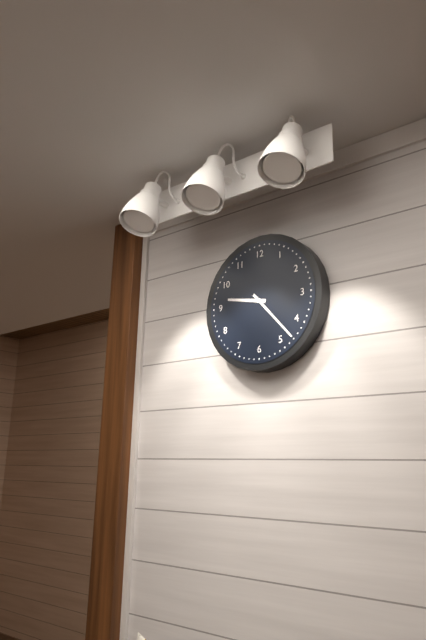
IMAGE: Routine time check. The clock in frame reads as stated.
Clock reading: 9:23
